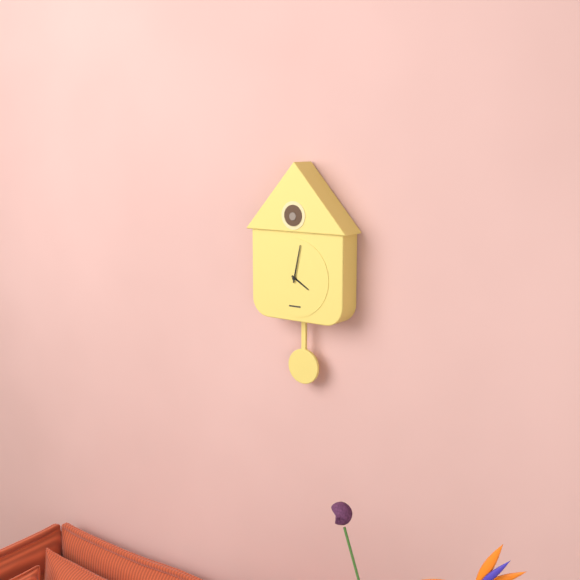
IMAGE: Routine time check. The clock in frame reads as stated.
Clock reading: 4:02
